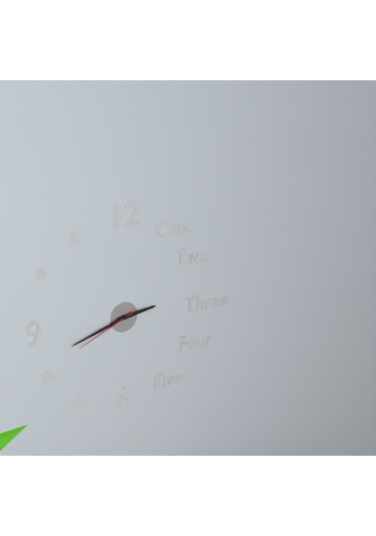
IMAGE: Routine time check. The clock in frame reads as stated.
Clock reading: 2:42:41
